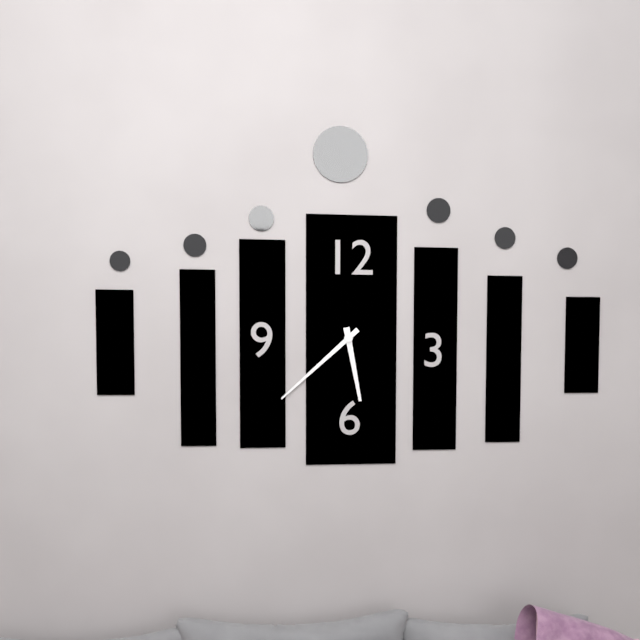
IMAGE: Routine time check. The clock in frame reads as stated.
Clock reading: 5:38
